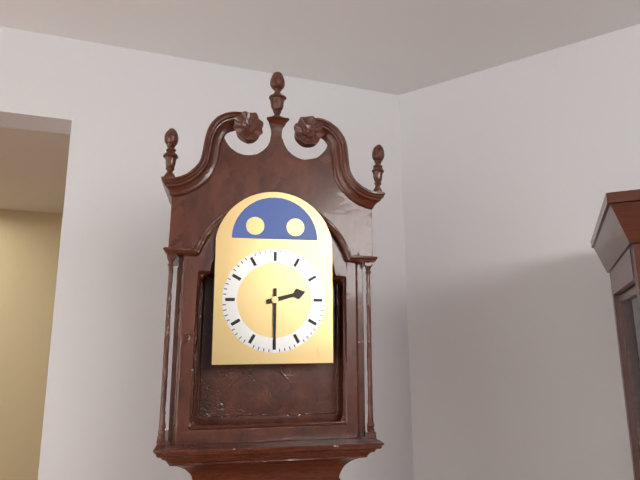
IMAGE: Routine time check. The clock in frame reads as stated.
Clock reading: 2:30
